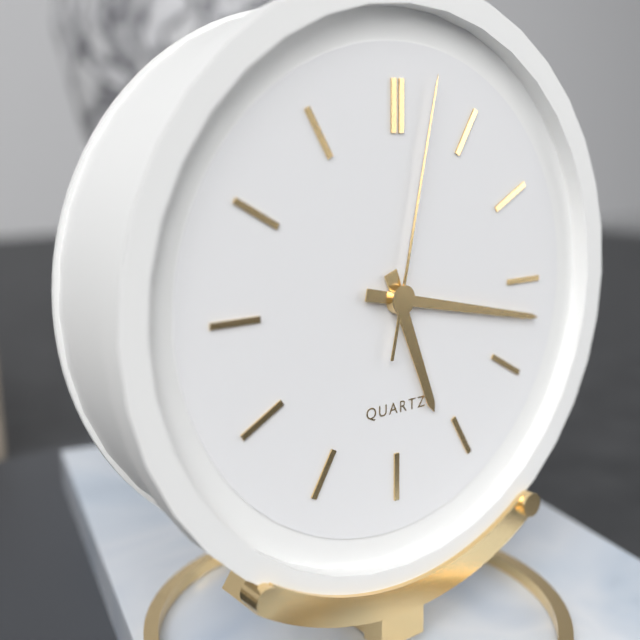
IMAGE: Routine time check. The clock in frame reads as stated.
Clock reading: 5:17:02
